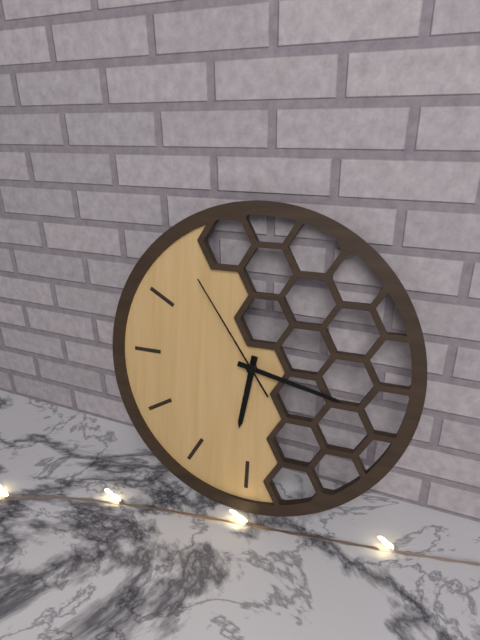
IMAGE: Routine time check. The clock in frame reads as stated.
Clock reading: 6:17:54
